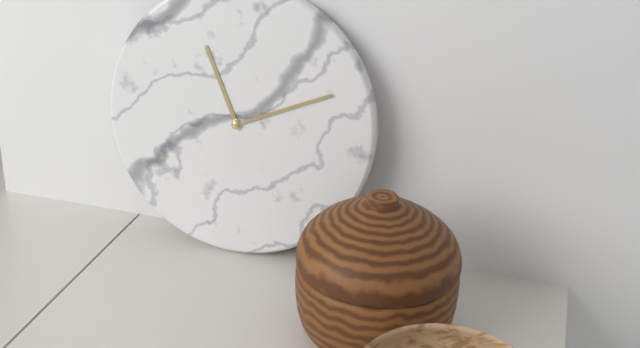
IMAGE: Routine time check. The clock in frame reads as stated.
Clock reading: 11:11
